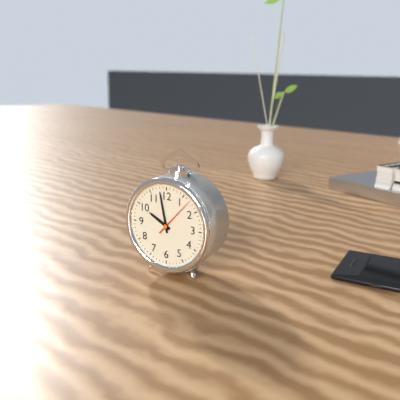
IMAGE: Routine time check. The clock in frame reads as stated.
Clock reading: 9:58
